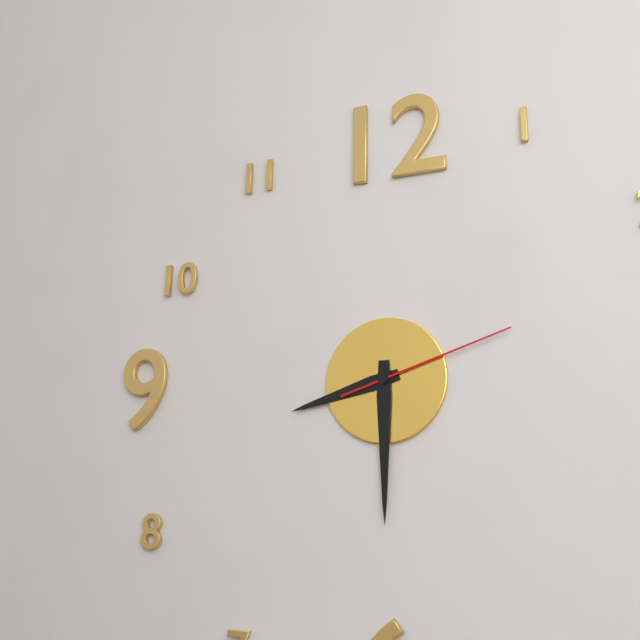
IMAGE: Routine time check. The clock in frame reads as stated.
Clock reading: 8:30:12
